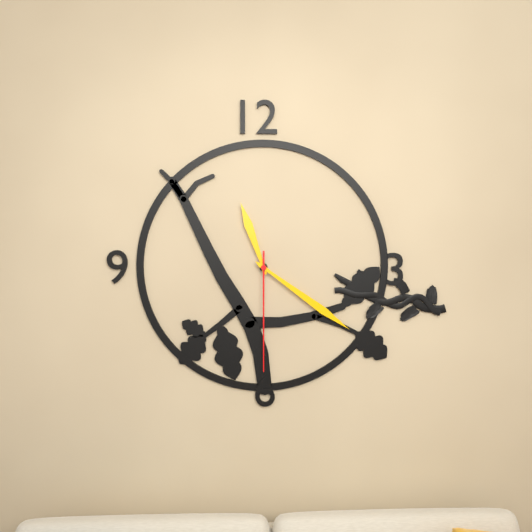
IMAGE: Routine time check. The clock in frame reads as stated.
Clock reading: 11:21:30
